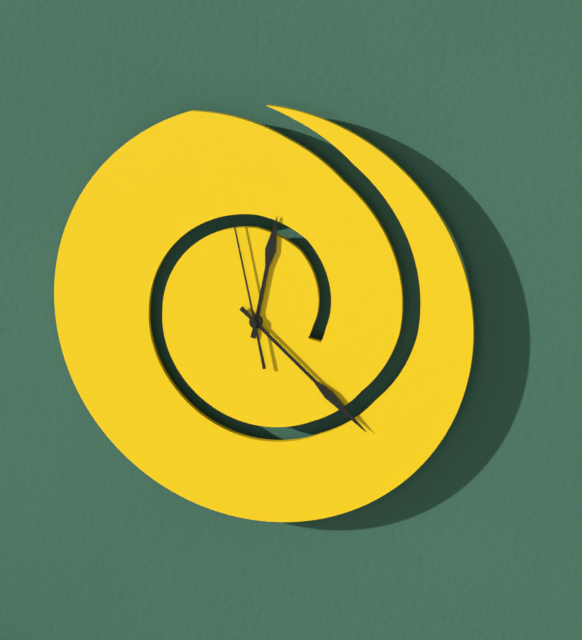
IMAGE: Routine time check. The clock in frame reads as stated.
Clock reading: 12:22:58
